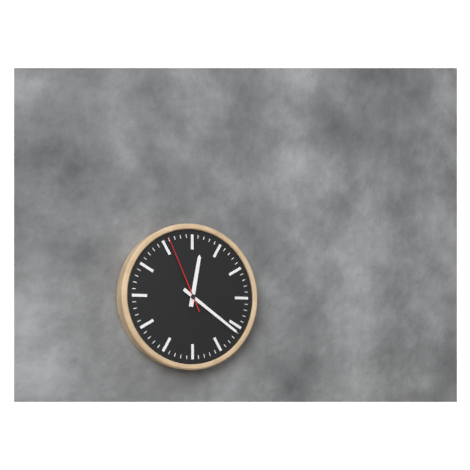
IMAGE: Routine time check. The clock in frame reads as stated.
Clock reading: 12:21:56
